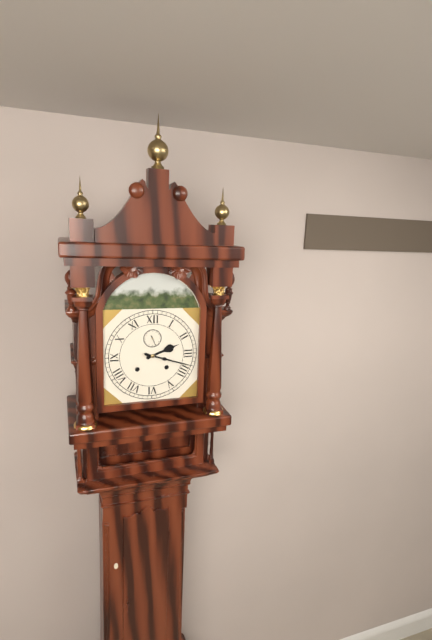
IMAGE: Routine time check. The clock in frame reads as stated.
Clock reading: 2:18
